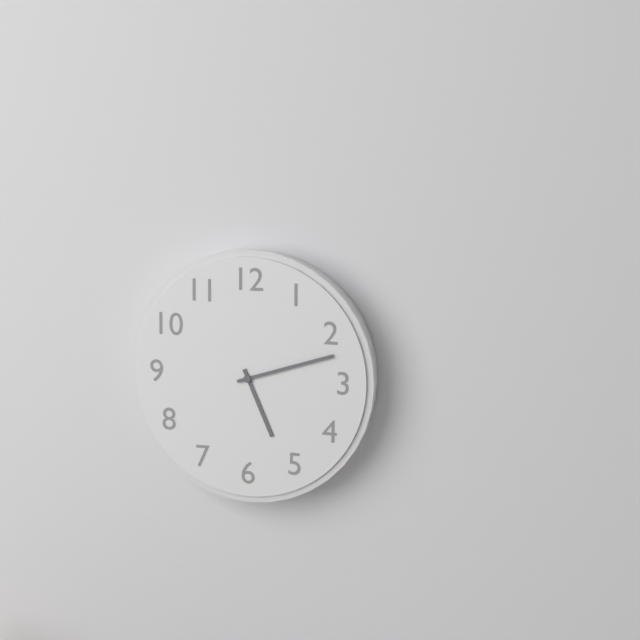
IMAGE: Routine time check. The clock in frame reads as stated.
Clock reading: 5:12
